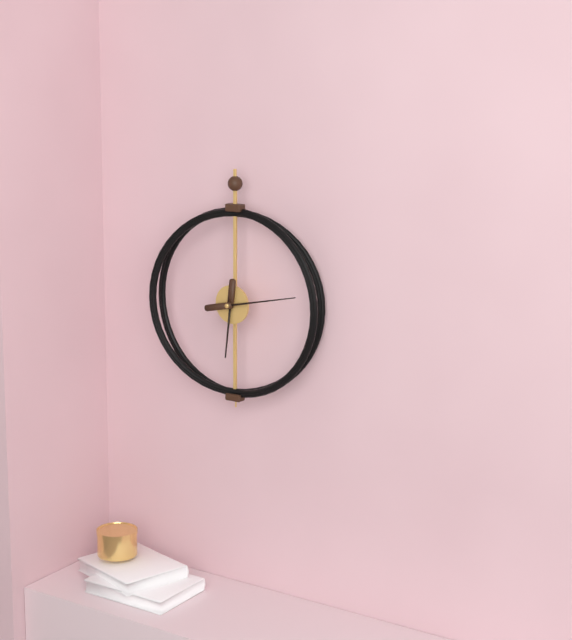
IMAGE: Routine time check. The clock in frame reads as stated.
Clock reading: 6:13
